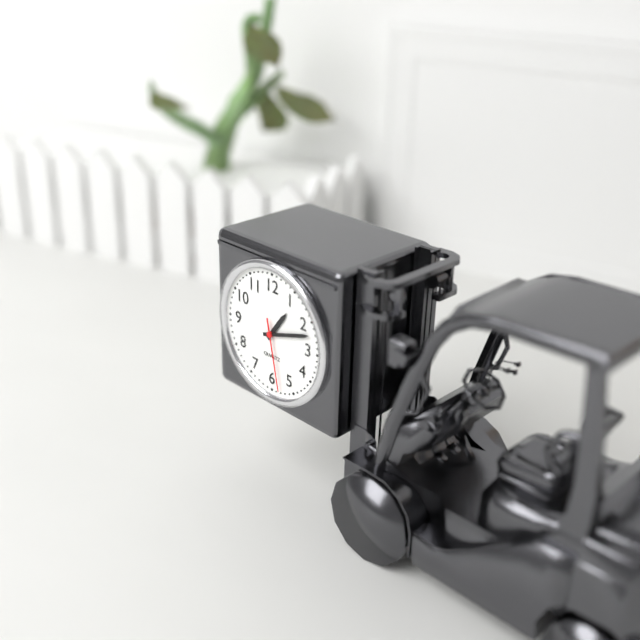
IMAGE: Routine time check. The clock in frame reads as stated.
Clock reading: 1:12:28
